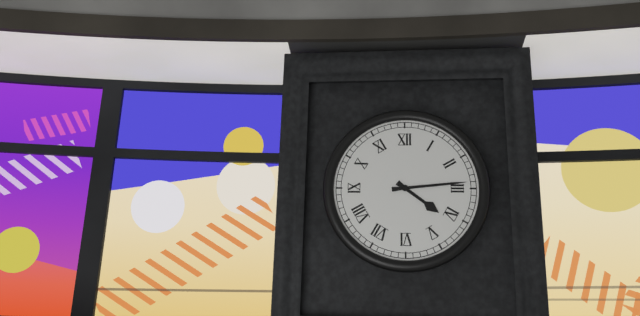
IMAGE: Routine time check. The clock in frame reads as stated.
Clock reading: 4:14
